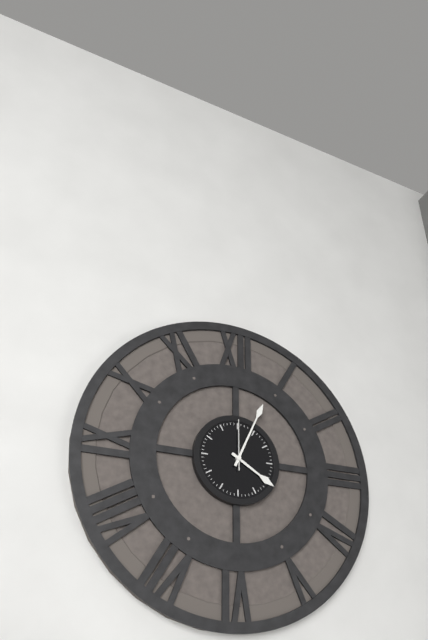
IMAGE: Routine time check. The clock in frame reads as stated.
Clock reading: 4:04:00
